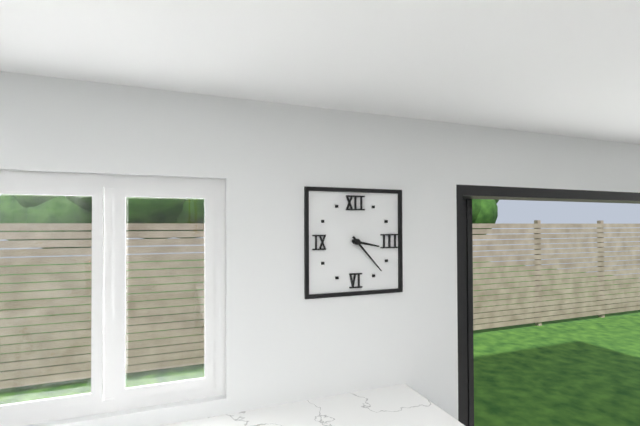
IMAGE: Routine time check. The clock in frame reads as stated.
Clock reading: 3:23
